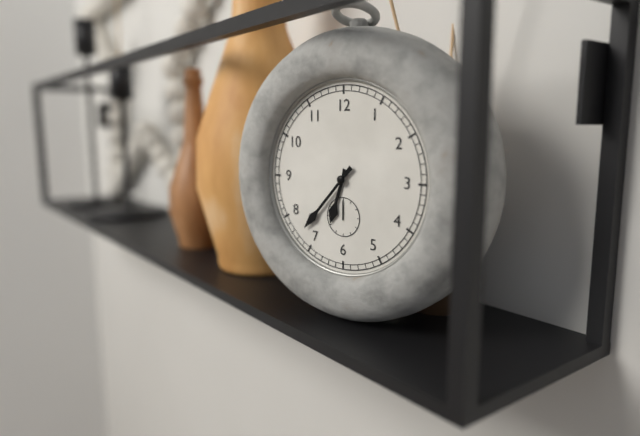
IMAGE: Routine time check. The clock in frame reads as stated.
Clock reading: 6:37
